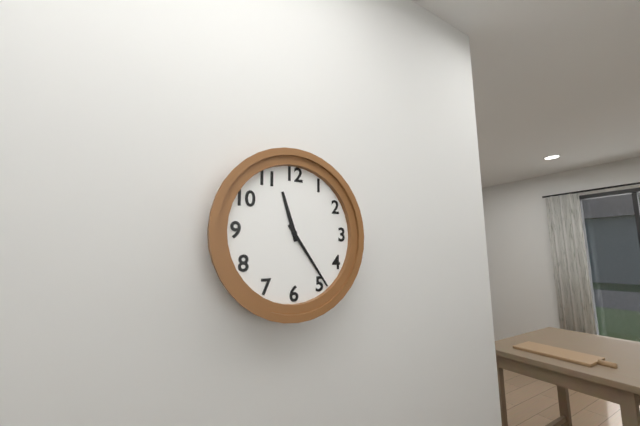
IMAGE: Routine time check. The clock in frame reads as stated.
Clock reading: 11:24
